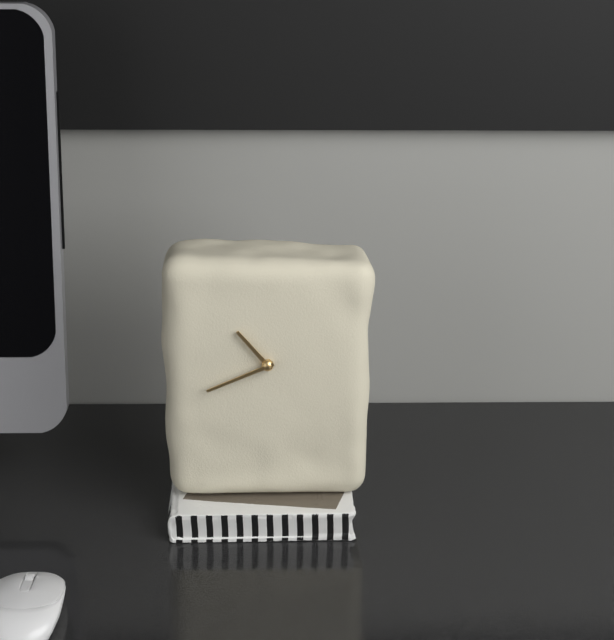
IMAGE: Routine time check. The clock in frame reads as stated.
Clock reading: 10:41
